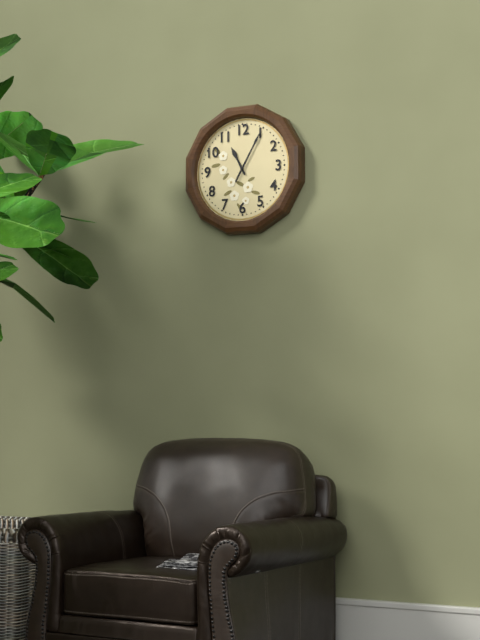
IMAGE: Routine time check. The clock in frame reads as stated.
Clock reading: 11:05
